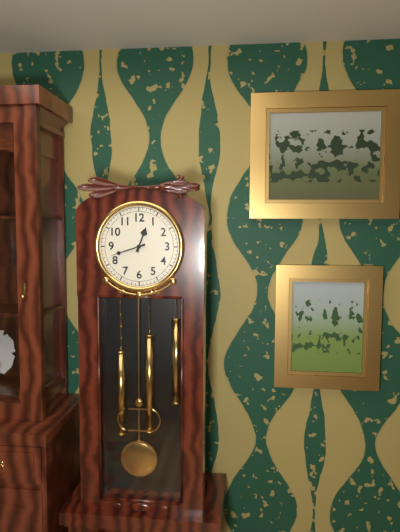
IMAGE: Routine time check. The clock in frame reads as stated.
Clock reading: 12:42
